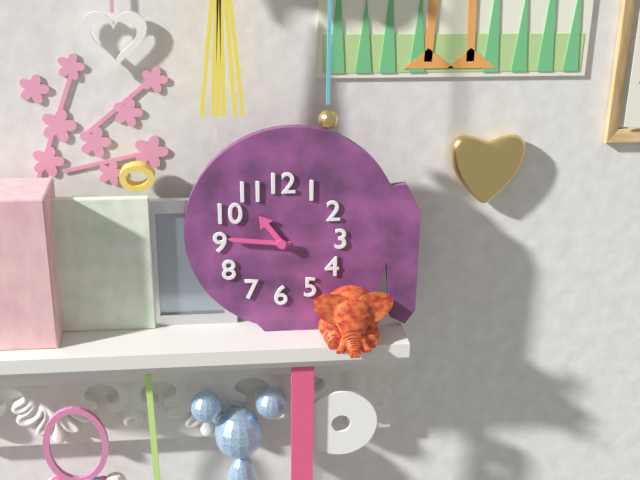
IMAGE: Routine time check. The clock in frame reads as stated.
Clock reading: 10:46
